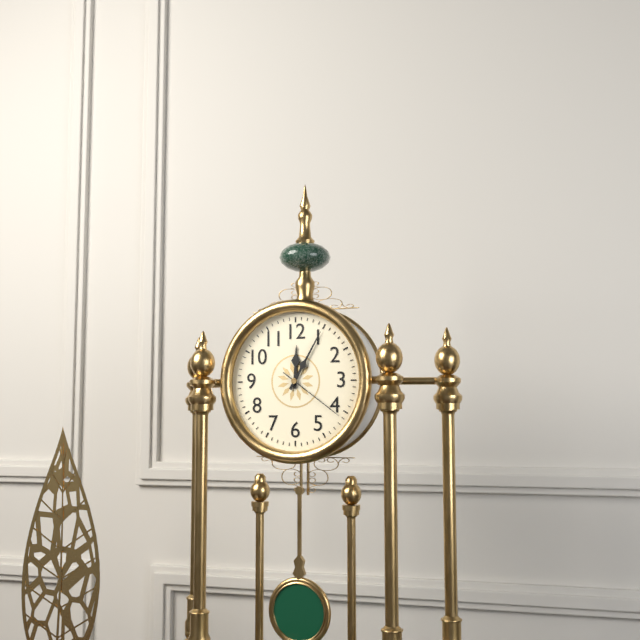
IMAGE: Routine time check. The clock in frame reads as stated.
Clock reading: 12:05:21
